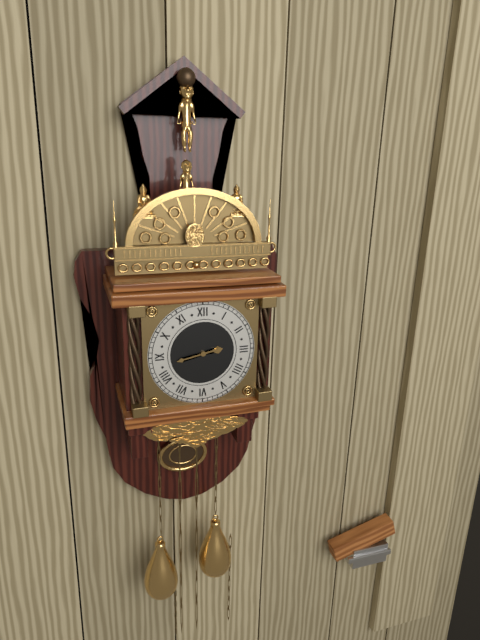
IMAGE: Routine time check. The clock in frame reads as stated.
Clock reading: 2:43
